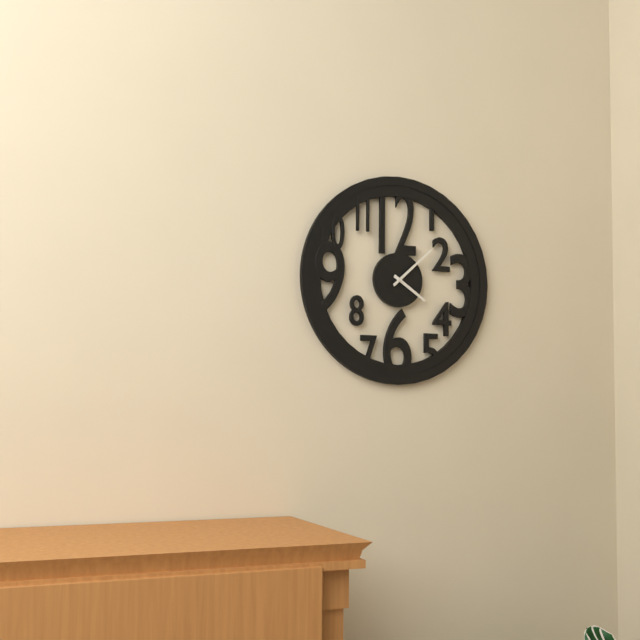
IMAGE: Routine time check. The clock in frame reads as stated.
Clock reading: 4:08
